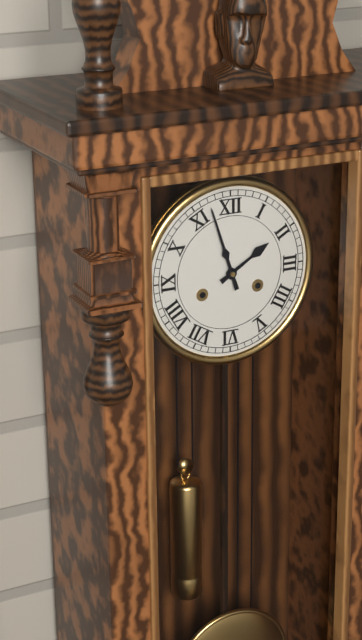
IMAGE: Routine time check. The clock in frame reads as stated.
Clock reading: 1:57
